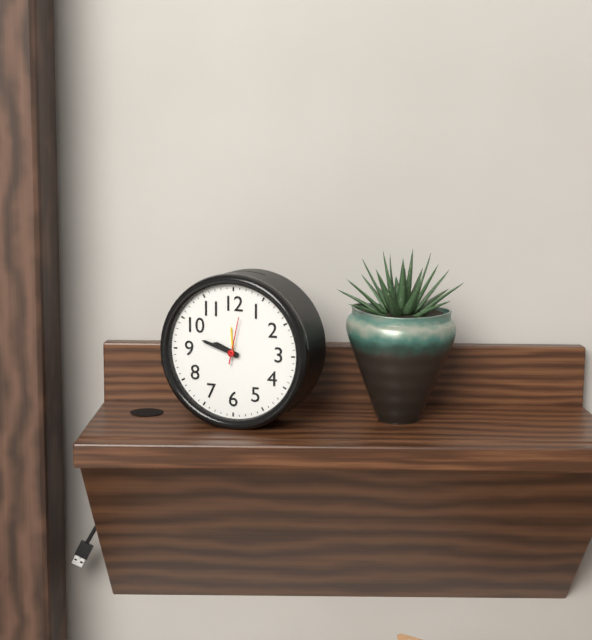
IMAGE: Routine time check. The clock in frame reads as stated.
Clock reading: 9:48
